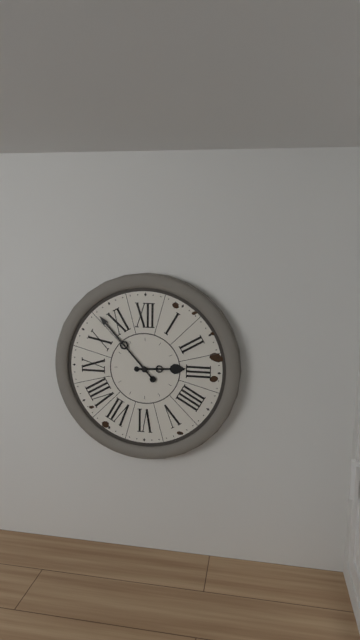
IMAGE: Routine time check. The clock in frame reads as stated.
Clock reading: 2:53
